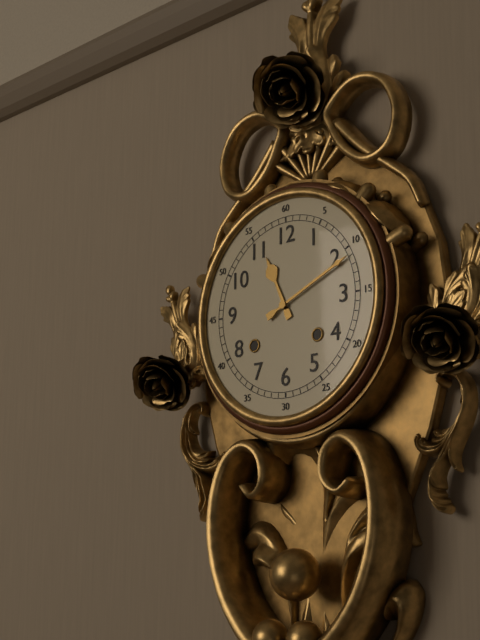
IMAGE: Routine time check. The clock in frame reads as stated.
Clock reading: 11:11
